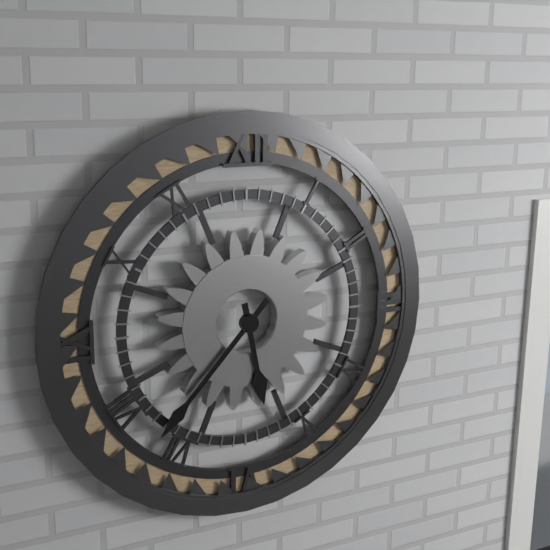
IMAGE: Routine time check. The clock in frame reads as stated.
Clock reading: 5:37
